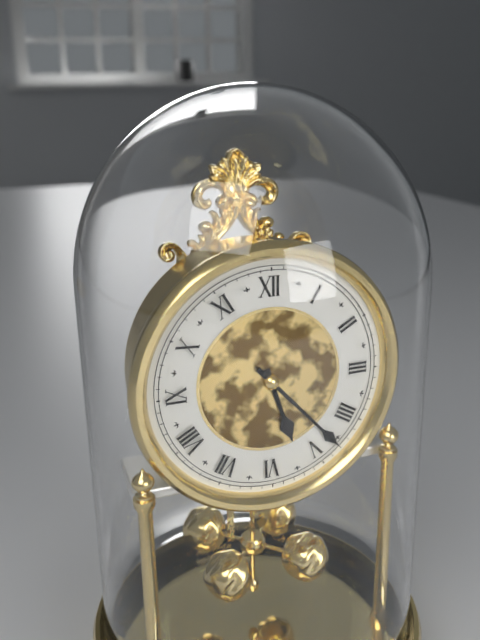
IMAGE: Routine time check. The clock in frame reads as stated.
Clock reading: 5:23
